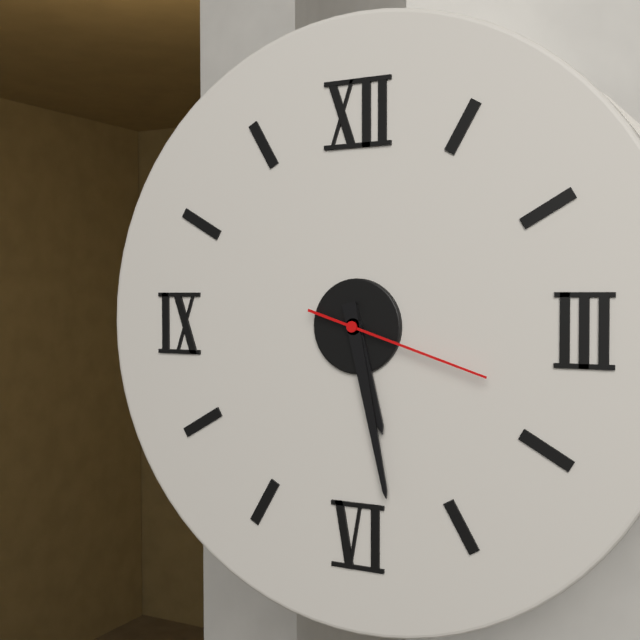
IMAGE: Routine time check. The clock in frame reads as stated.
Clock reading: 5:28:18
